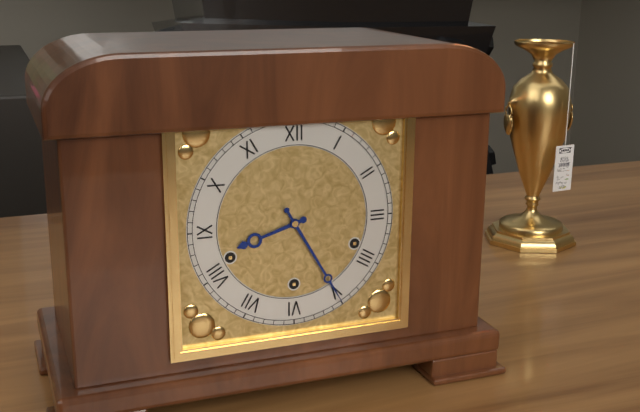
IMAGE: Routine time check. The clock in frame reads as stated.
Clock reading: 8:25
